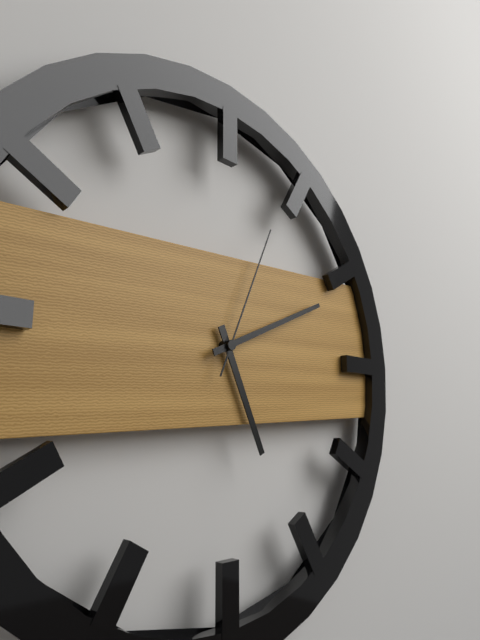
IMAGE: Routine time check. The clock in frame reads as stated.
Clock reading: 5:11:04
